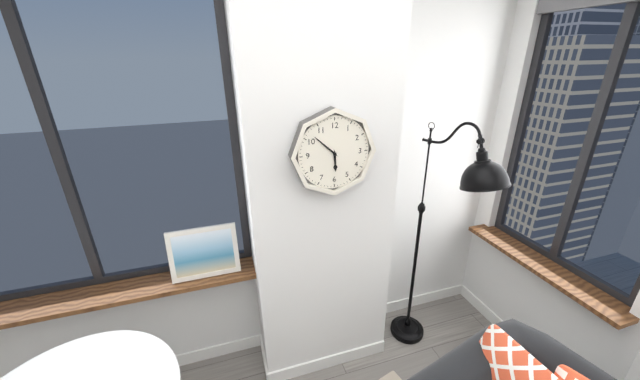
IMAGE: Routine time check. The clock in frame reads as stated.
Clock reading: 5:52
